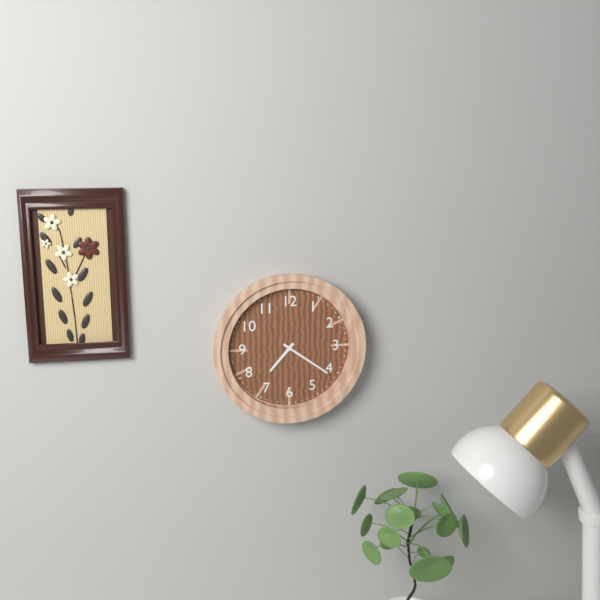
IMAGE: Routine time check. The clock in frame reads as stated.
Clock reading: 7:21
